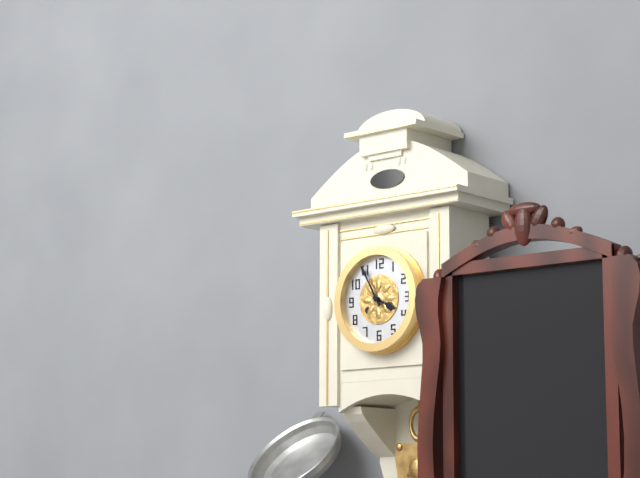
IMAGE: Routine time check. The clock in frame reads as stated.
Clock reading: 3:55
